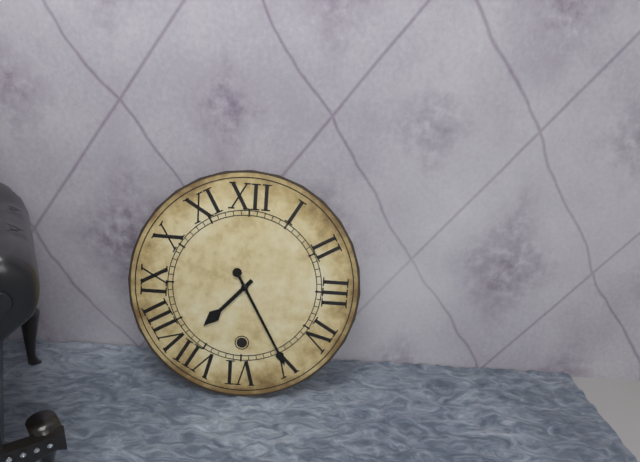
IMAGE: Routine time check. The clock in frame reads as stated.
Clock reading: 7:25
